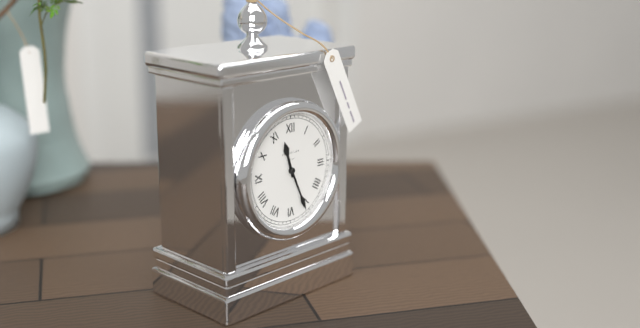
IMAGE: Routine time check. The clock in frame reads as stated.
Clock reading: 11:26
